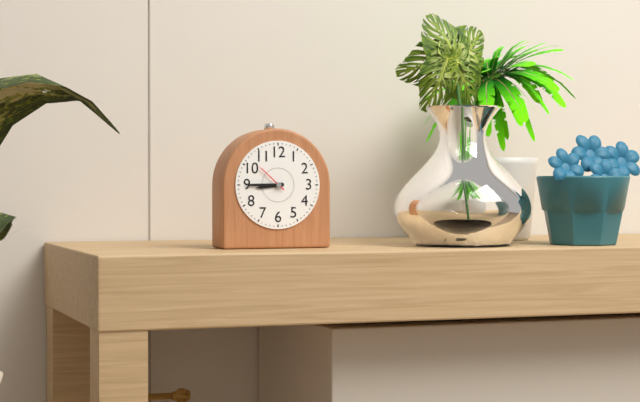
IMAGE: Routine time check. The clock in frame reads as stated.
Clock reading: 8:45
